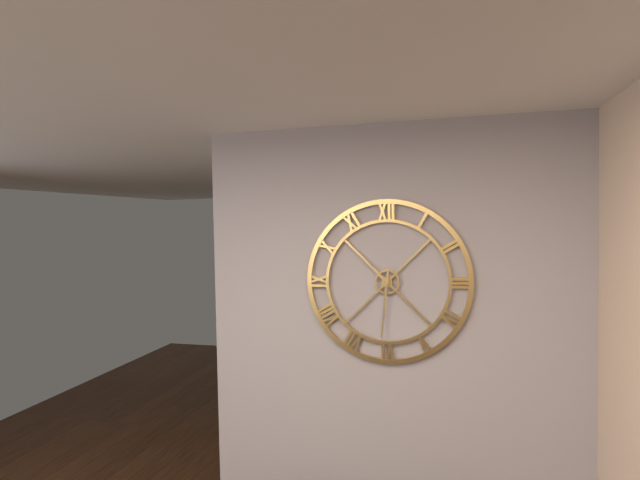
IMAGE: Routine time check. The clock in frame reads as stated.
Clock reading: 10:31
